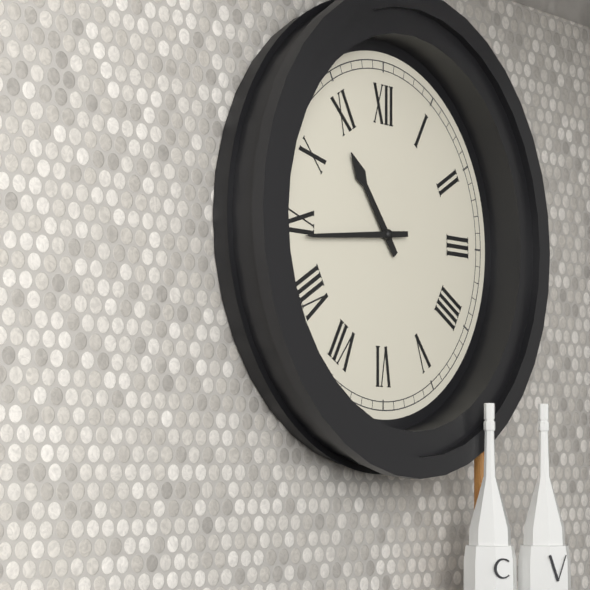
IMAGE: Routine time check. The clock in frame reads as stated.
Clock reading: 10:44
